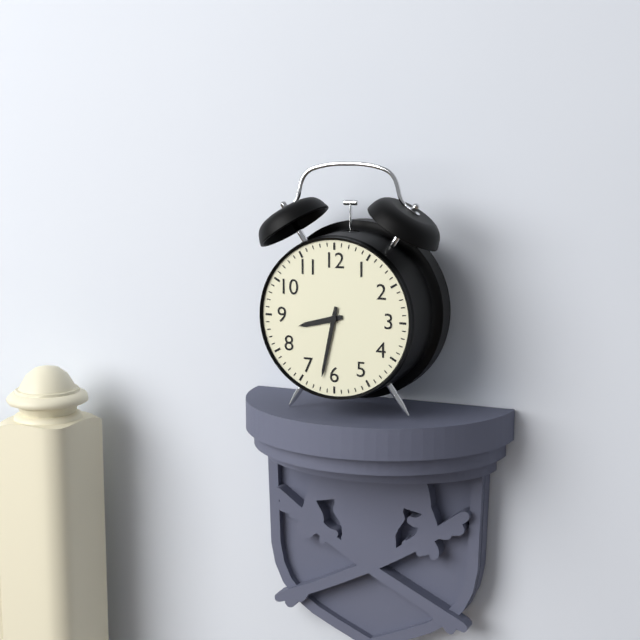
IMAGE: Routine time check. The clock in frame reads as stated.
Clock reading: 8:32
